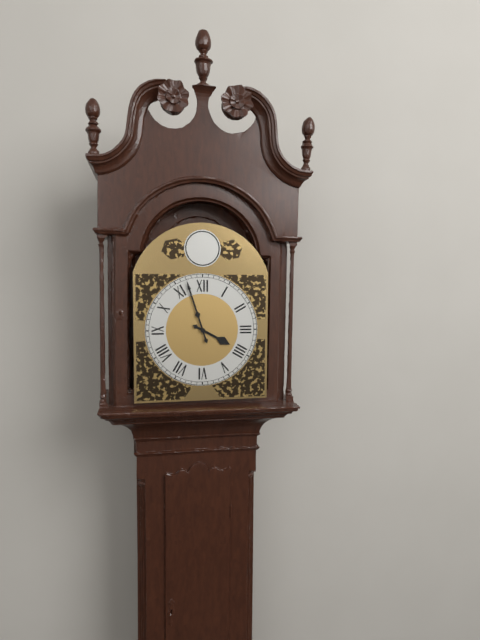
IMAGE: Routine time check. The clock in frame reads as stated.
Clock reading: 3:57
